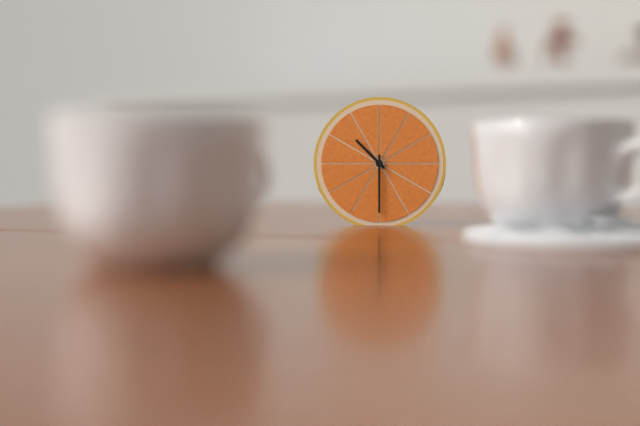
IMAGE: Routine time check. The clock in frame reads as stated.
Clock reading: 10:30
